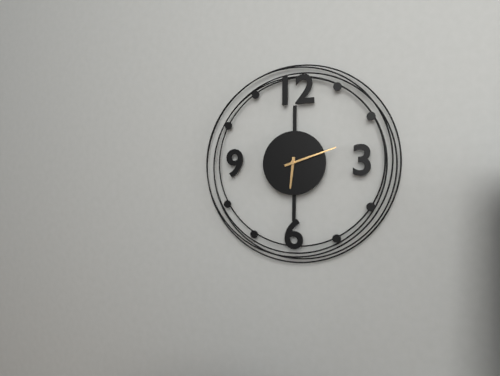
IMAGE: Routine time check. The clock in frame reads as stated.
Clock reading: 6:12
